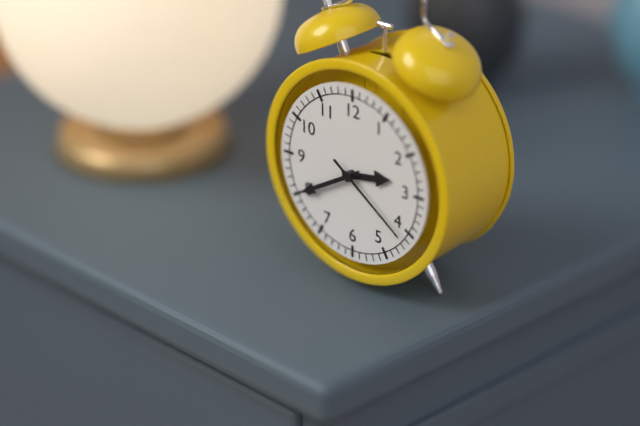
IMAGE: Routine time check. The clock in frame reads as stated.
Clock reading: 2:40:21
